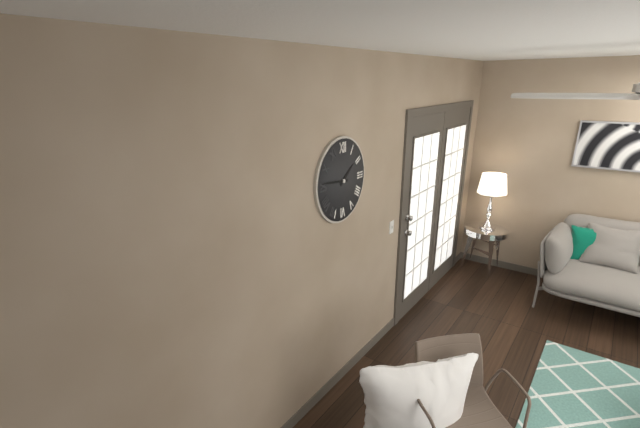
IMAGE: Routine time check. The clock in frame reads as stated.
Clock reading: 1:46
